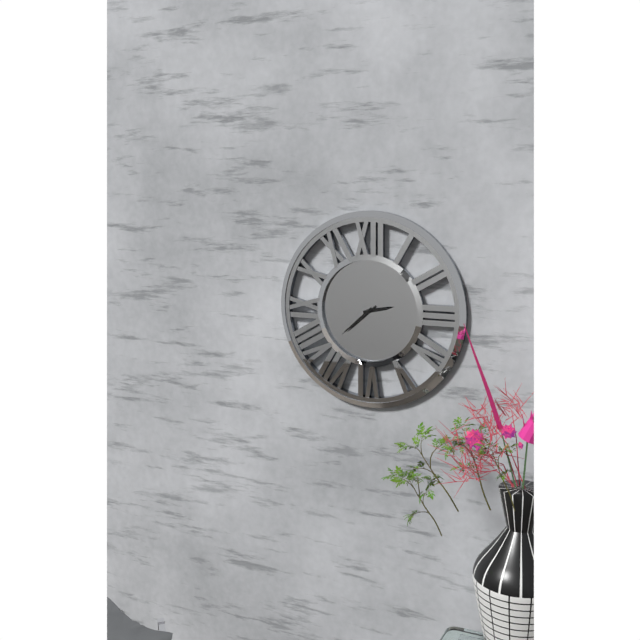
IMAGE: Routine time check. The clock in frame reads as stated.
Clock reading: 2:38
